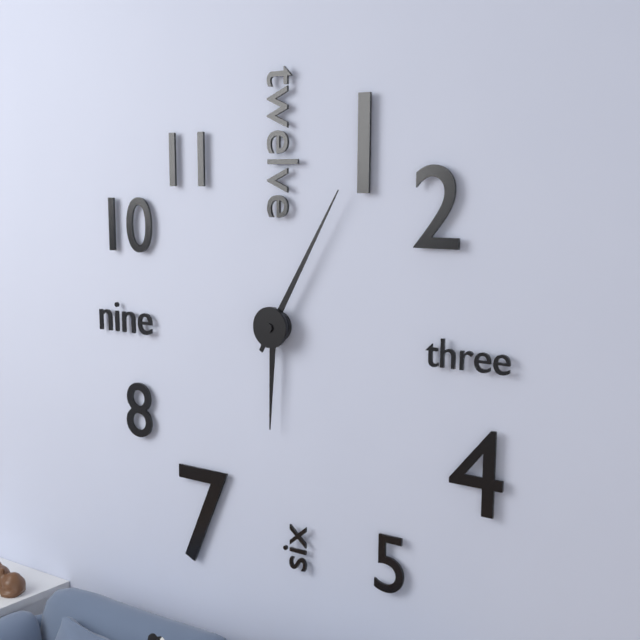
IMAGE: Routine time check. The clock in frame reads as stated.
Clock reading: 6:05
